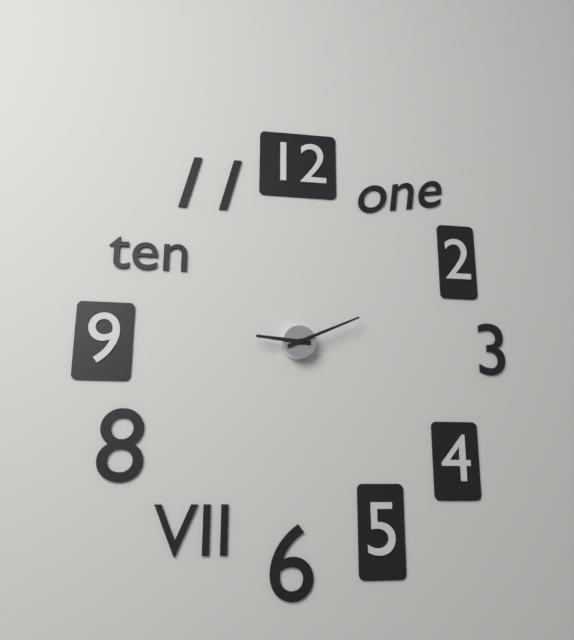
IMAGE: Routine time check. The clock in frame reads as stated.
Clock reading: 9:11
